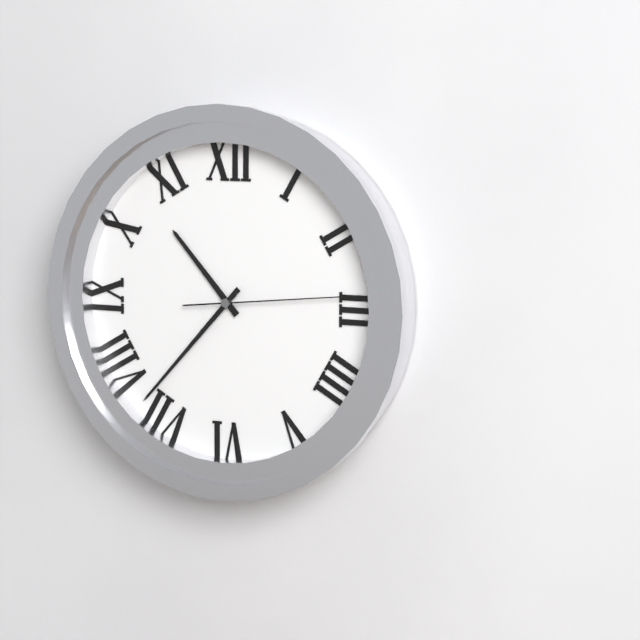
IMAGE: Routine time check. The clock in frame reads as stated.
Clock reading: 10:37:14
